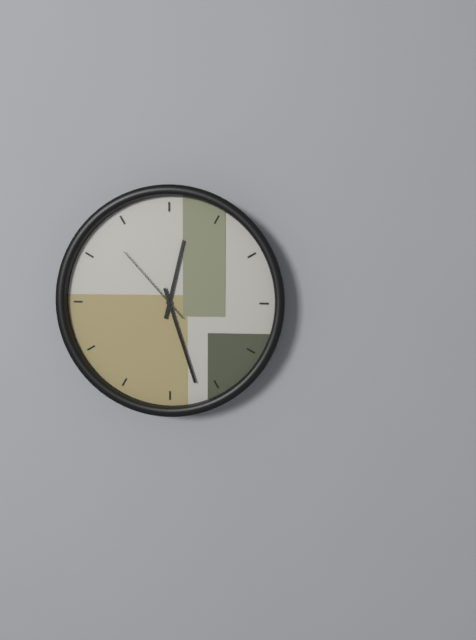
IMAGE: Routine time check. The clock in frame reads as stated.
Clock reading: 12:27:53
